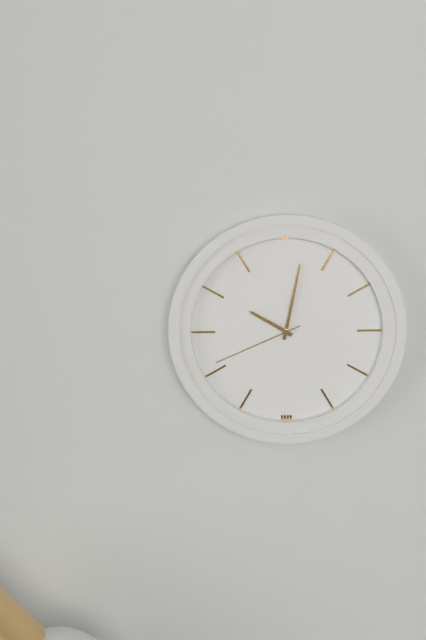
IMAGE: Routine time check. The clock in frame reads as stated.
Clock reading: 10:02:41
